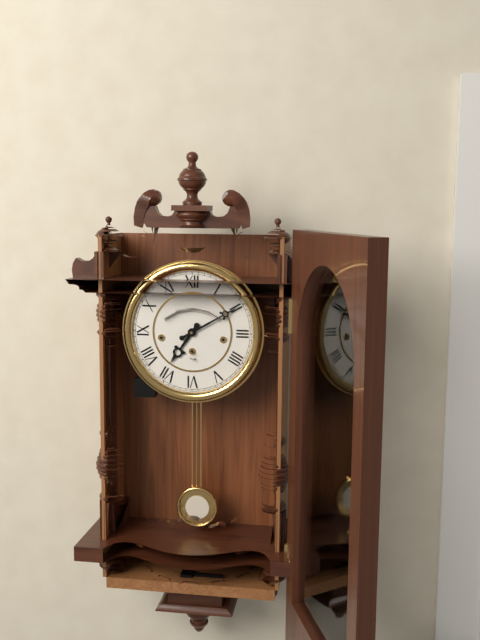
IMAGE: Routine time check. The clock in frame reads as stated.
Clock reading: 7:10
